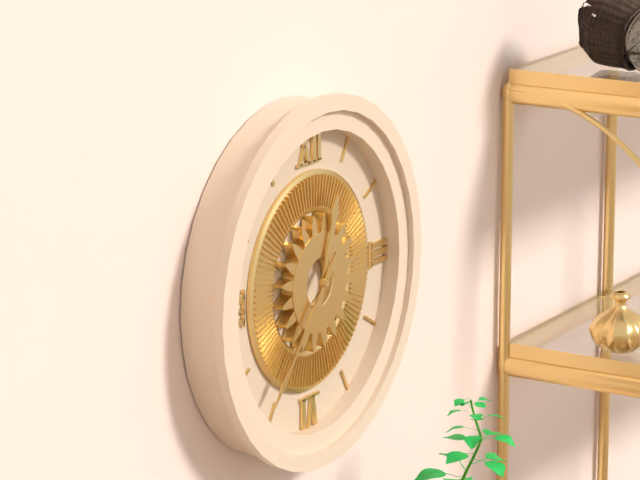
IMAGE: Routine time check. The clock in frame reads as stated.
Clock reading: 12:37
